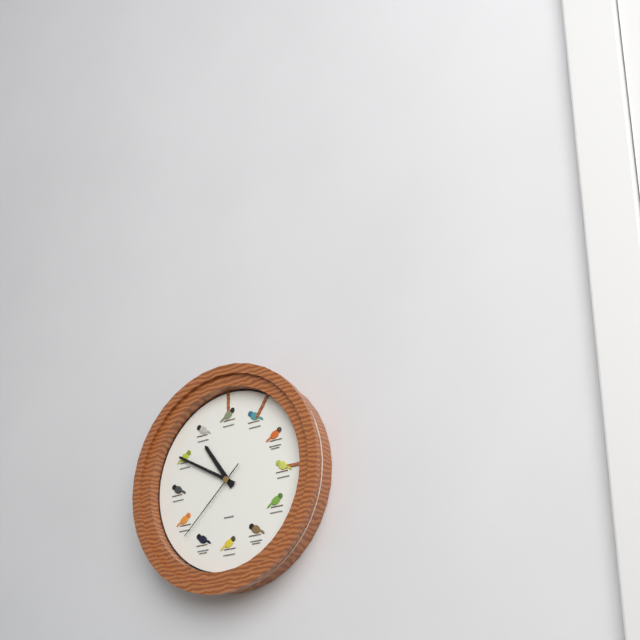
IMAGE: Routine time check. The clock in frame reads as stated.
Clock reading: 10:50:38
